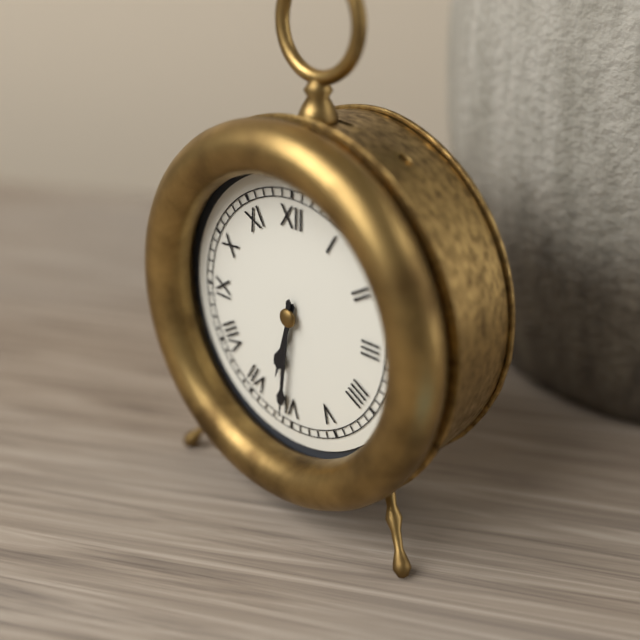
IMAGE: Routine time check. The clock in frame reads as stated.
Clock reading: 6:31
